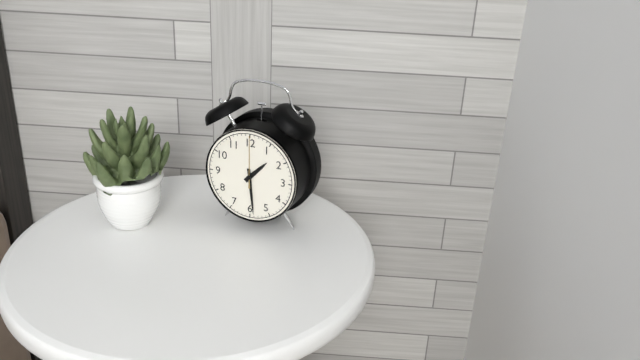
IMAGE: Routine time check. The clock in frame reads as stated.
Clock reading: 1:29:00
